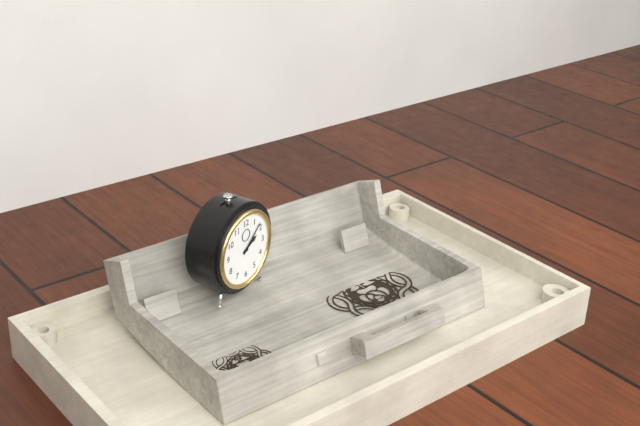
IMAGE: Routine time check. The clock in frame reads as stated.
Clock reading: 2:08
